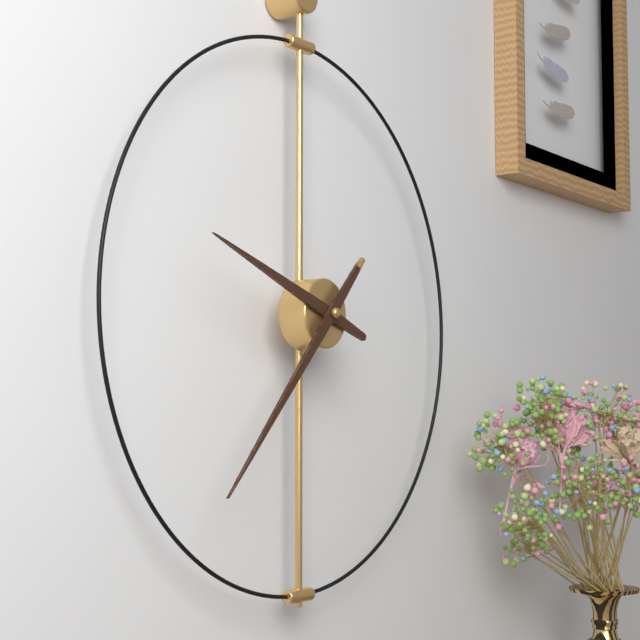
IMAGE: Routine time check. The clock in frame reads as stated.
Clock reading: 9:37
